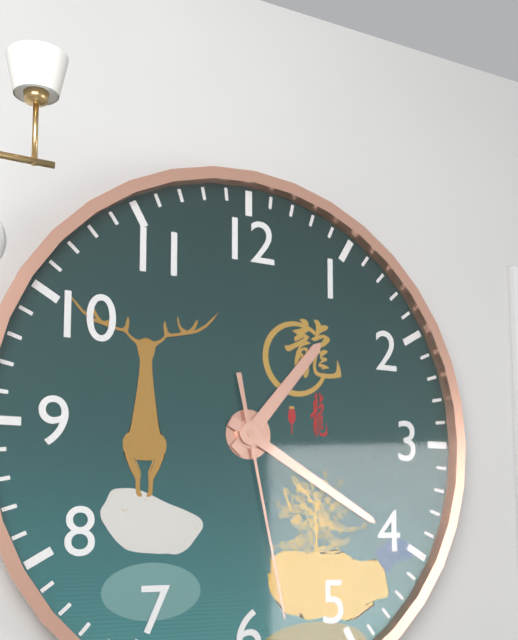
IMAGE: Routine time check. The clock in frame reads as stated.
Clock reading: 1:20:28
